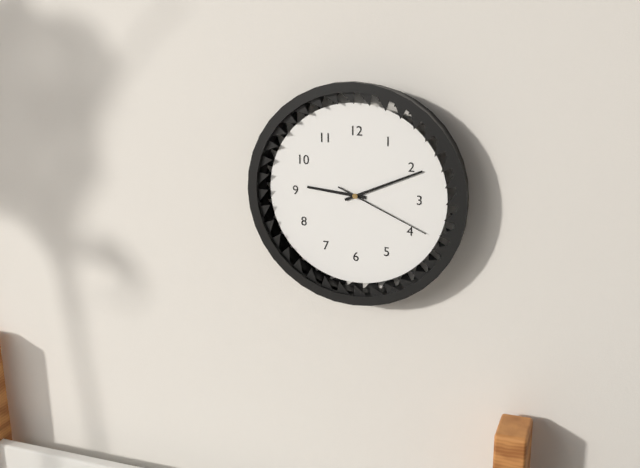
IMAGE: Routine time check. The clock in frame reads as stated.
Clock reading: 9:11:19
